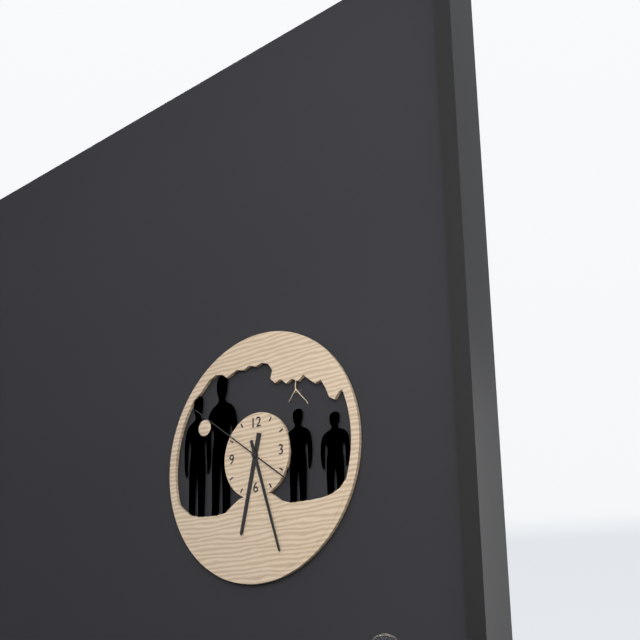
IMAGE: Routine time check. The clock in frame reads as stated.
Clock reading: 6:27:51
